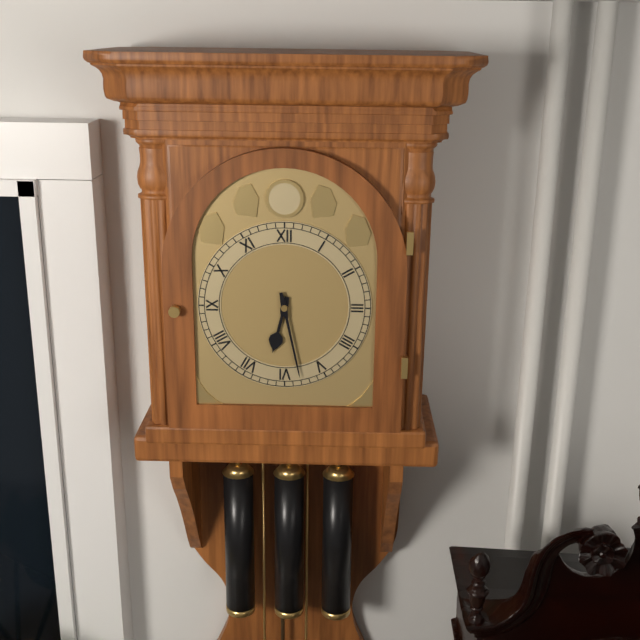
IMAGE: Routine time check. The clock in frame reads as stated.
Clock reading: 6:28
